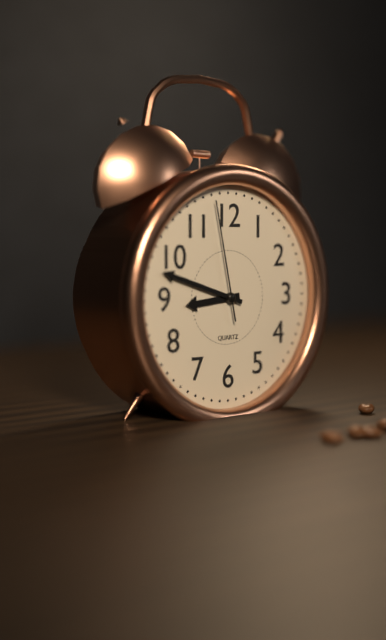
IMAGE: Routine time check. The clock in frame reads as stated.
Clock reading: 8:48:58
